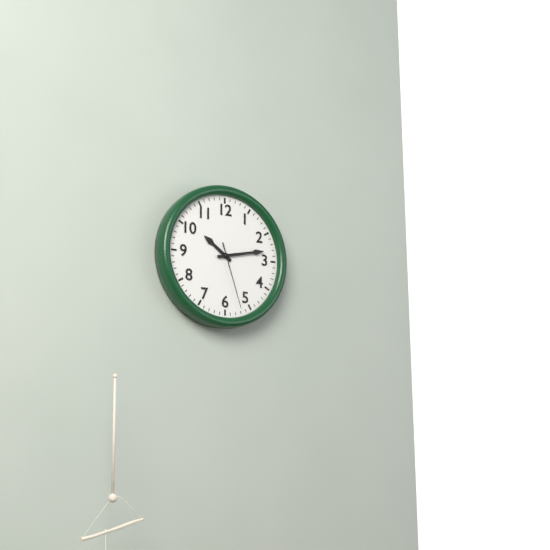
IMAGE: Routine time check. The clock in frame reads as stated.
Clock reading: 10:13:27
